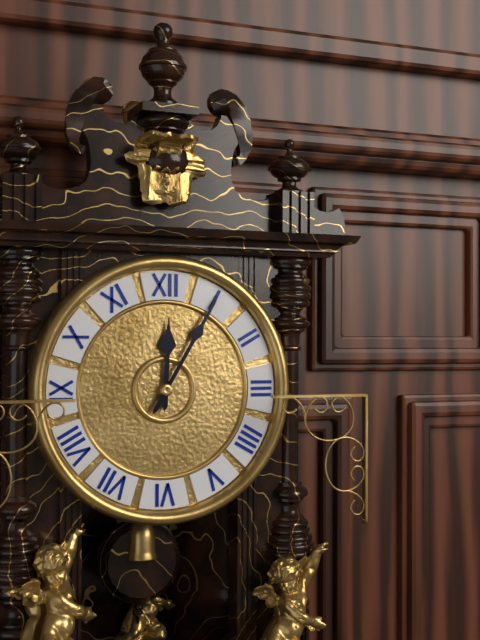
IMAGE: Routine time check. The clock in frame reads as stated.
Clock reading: 12:05
